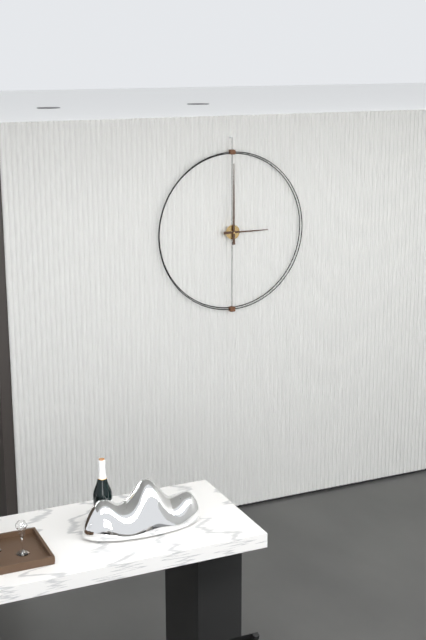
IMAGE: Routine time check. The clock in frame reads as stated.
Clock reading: 3:00
